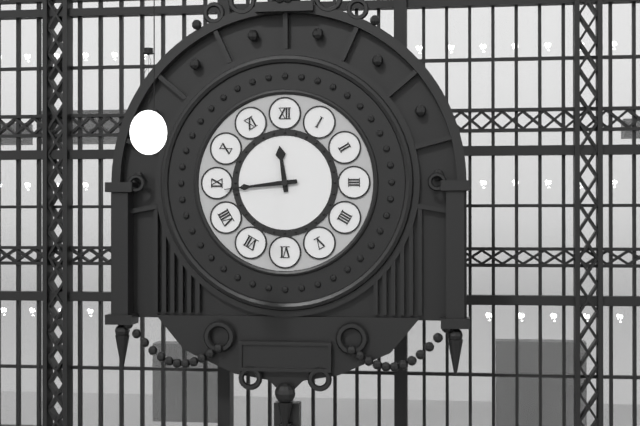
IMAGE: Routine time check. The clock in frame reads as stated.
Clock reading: 11:44
